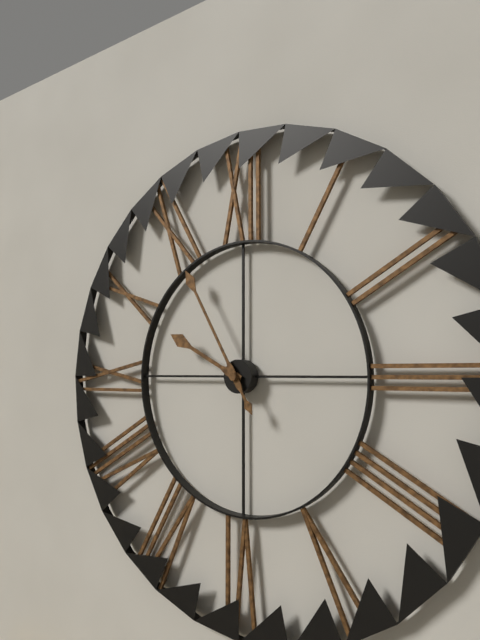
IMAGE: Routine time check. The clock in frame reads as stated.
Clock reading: 9:55
